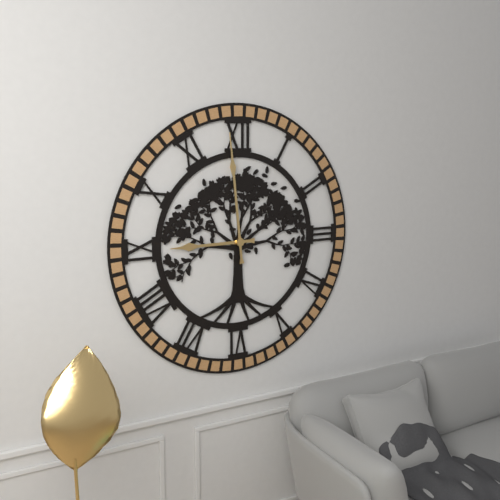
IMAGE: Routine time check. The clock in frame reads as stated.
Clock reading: 8:59
